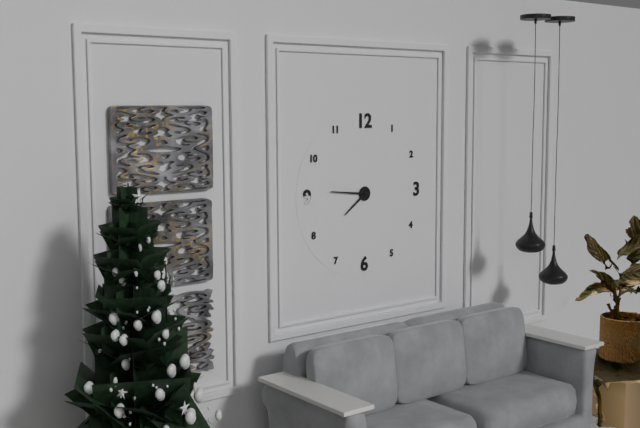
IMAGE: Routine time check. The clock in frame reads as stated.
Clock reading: 7:46
